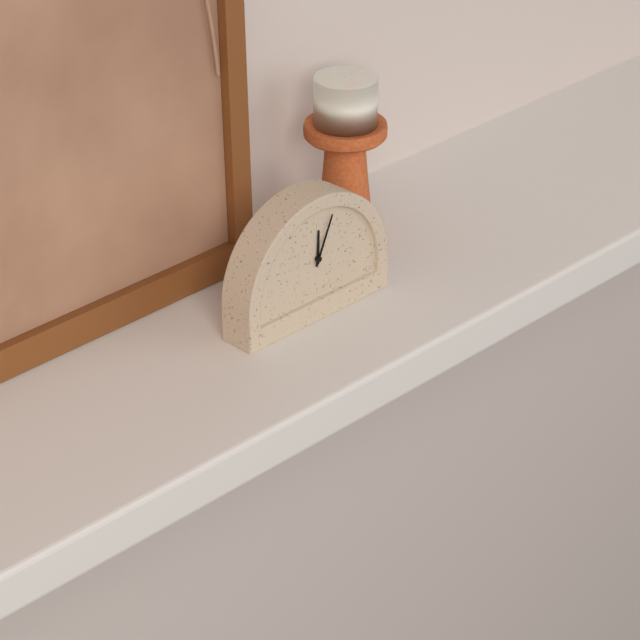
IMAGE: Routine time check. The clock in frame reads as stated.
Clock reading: 12:04
